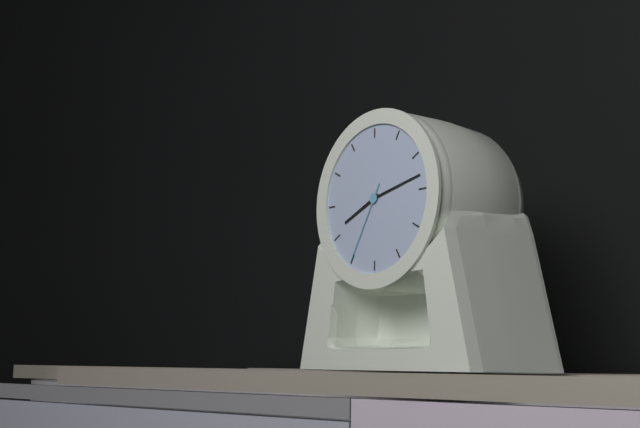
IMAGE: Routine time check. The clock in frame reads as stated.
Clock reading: 8:13:35
